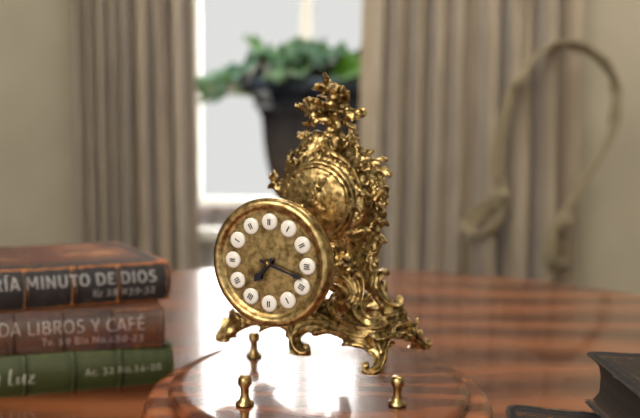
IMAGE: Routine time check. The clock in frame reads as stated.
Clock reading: 7:18
